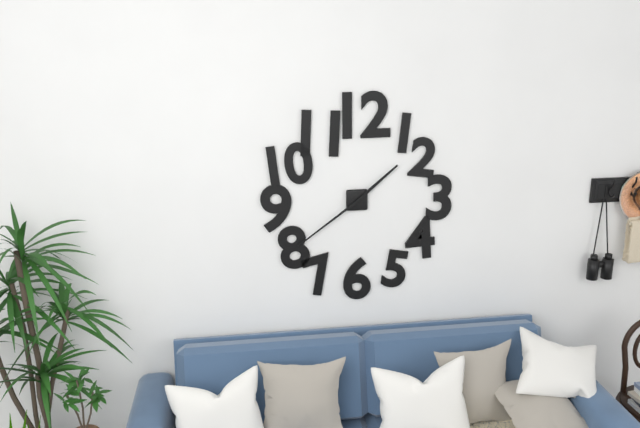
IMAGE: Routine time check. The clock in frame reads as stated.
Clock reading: 1:39
